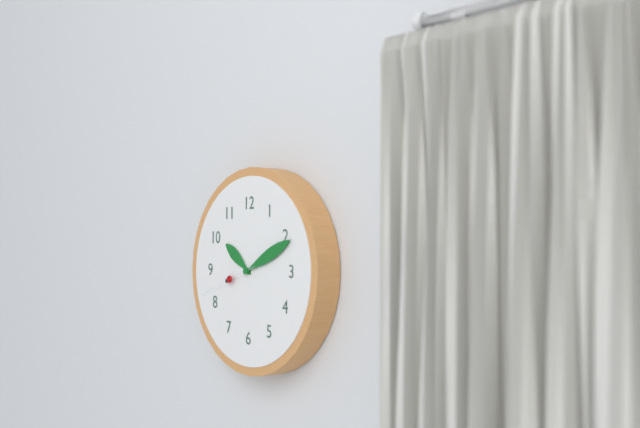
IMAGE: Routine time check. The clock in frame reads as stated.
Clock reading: 10:11:42
